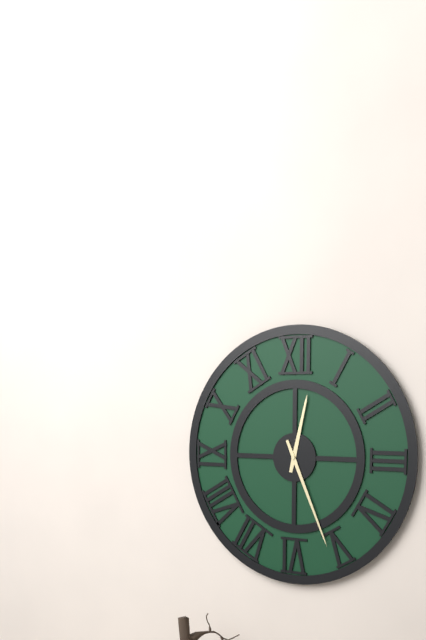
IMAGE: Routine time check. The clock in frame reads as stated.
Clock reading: 12:26
